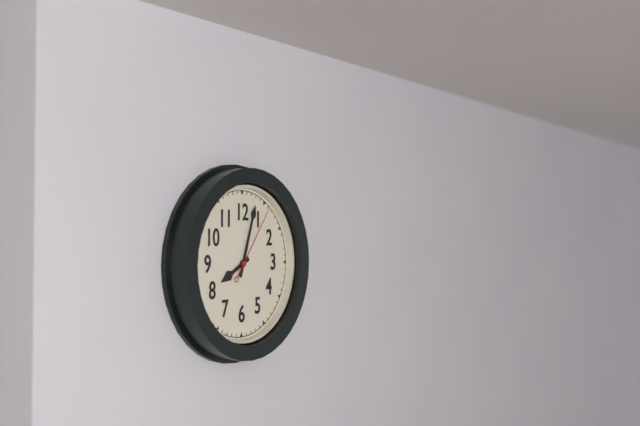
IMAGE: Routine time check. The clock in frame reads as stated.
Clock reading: 8:03:06
